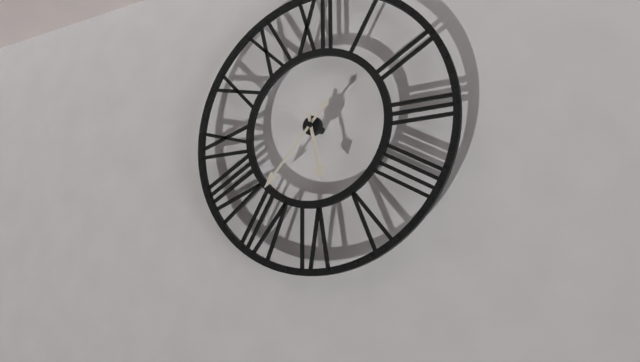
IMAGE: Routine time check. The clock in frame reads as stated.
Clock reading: 5:37
